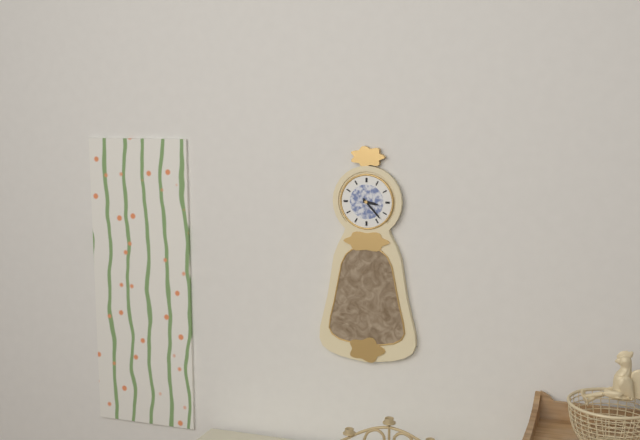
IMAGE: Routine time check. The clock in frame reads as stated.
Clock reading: 3:23
